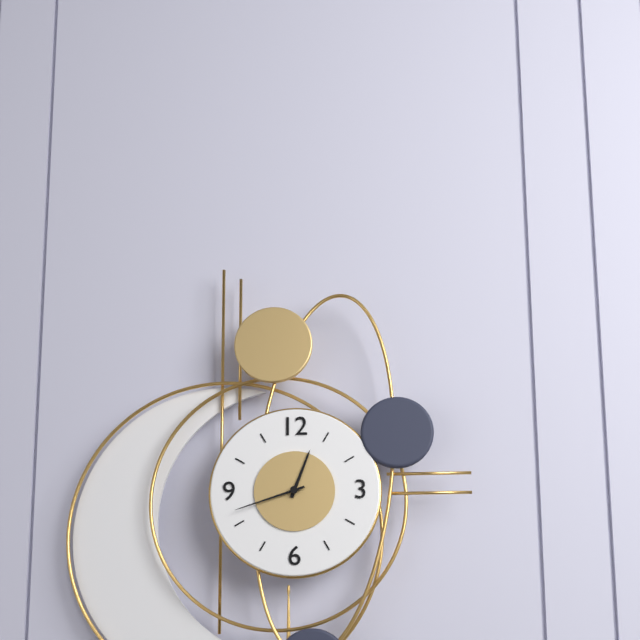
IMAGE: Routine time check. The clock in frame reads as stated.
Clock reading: 12:42
